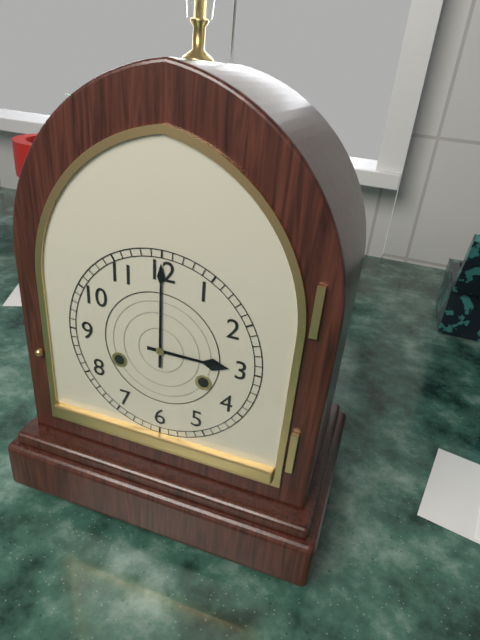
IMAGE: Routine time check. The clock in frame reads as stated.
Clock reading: 3:00
